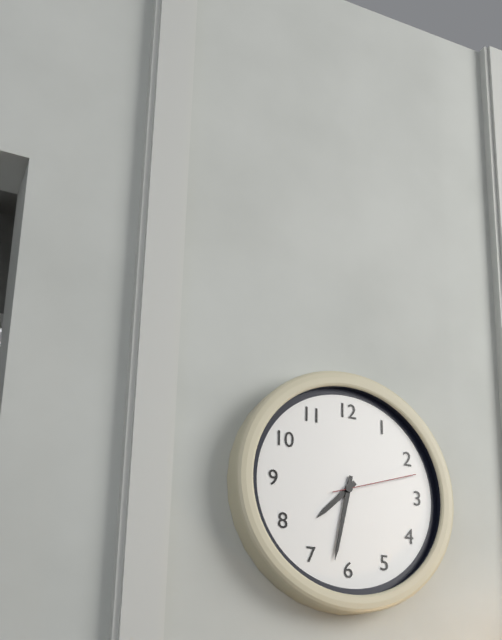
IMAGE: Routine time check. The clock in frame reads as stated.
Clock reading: 7:32:12
